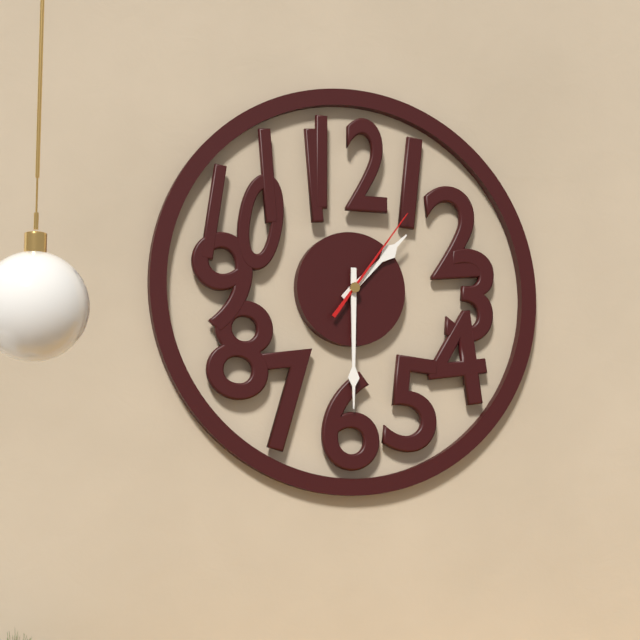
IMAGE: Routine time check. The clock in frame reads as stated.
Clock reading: 1:30:06
